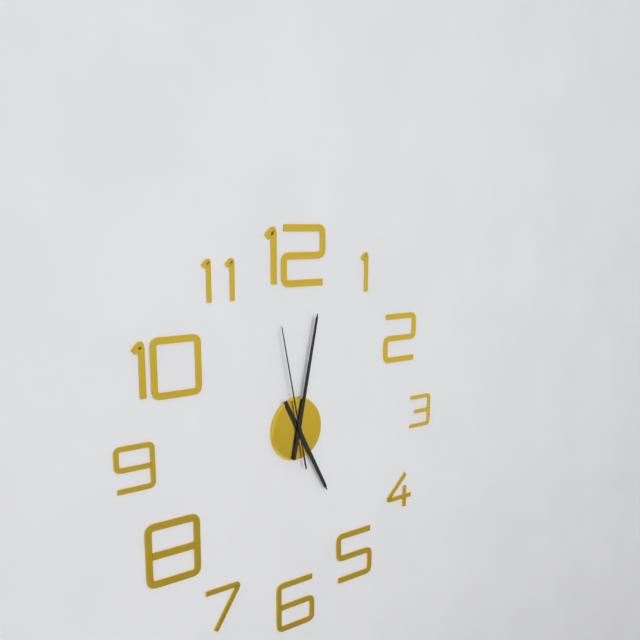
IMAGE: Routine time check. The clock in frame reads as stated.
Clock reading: 5:02:58
